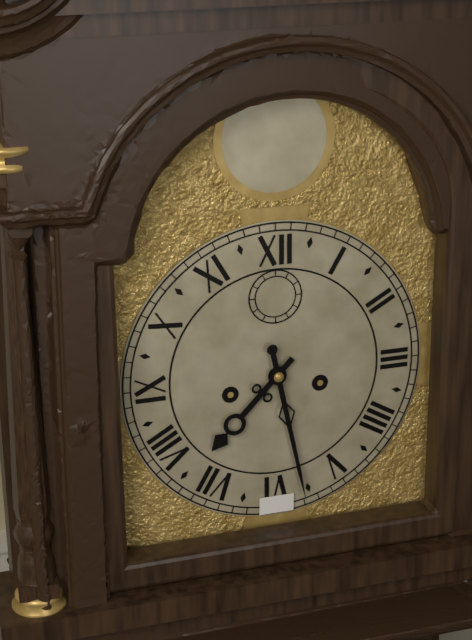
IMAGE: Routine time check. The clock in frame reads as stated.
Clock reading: 7:28
